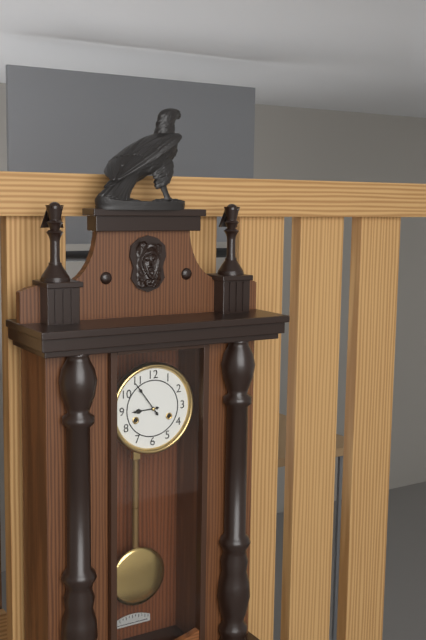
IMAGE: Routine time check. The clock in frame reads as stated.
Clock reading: 8:54
